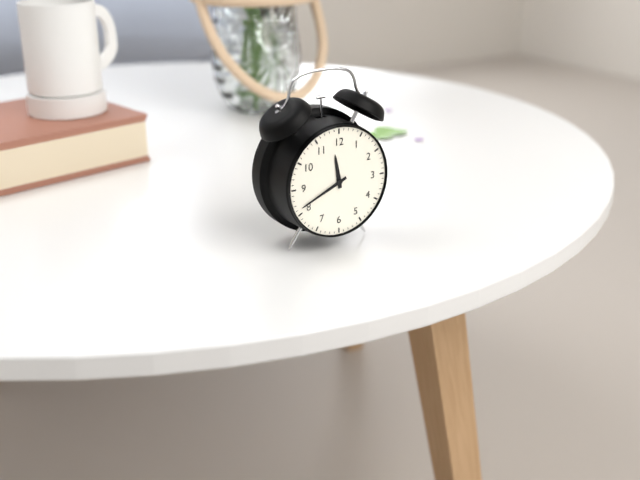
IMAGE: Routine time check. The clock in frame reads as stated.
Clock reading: 11:41
